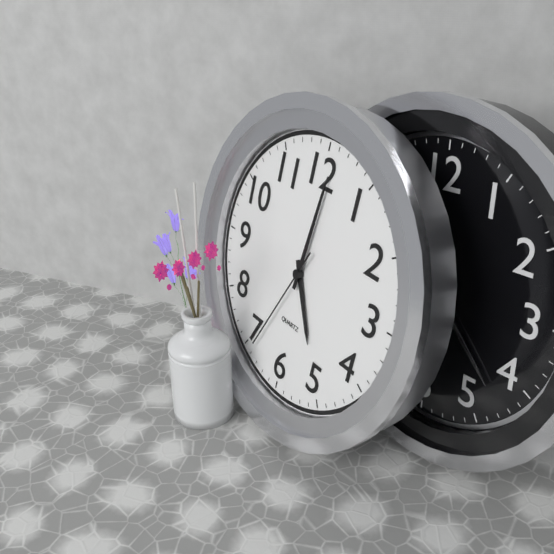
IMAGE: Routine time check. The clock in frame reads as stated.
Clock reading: 5:01:34
